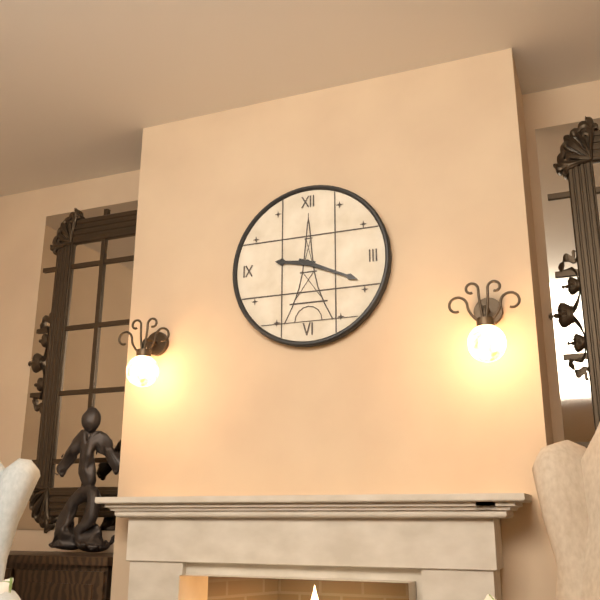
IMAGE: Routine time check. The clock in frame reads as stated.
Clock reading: 9:19
